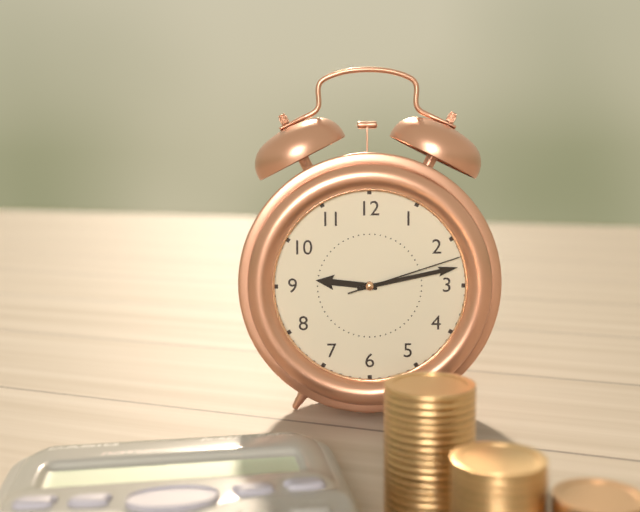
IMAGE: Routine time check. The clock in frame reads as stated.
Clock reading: 9:13:12
